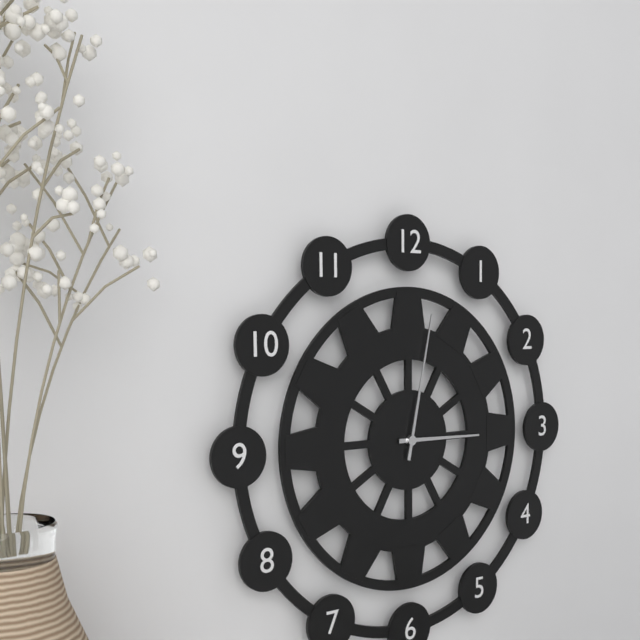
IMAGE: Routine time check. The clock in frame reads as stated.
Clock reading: 3:02
